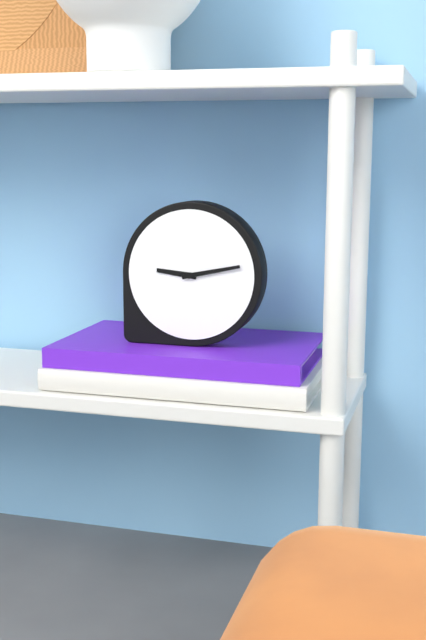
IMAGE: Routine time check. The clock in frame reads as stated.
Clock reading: 9:13
